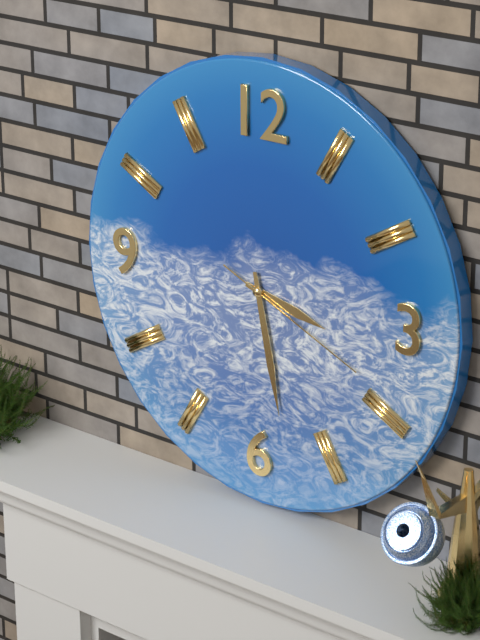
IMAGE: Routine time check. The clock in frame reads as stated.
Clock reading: 3:28:19
